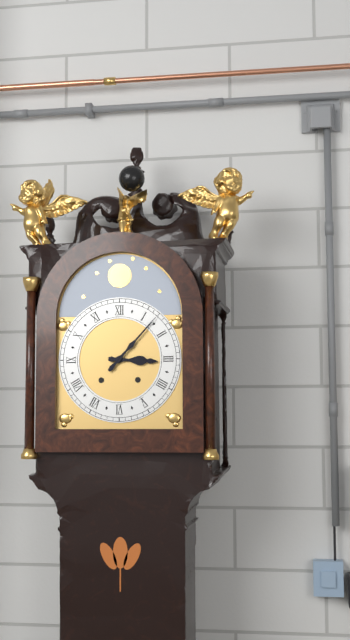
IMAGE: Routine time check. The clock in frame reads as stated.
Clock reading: 3:07
